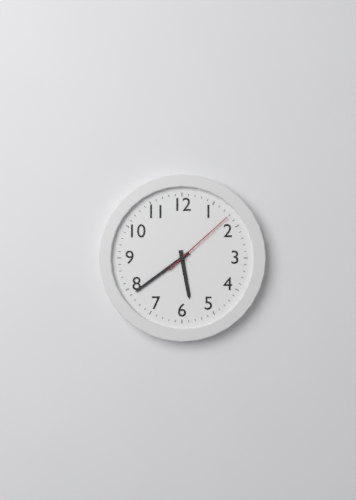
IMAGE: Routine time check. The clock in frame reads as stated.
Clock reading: 5:39:08
